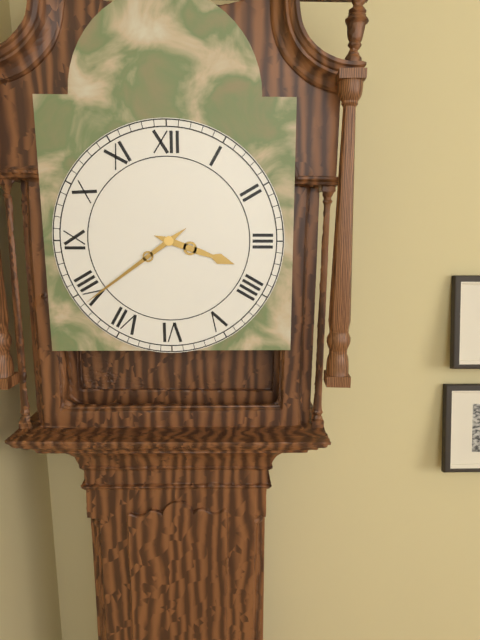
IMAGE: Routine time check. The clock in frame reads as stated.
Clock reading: 3:39
